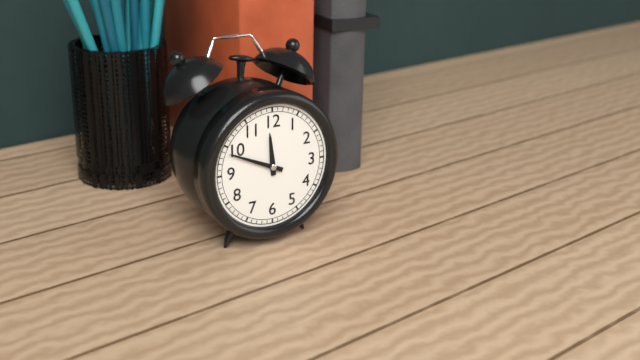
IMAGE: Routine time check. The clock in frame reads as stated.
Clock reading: 11:49
